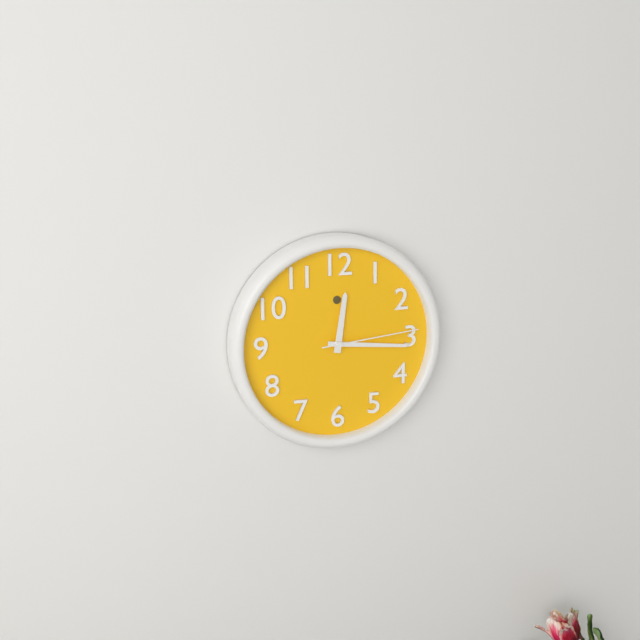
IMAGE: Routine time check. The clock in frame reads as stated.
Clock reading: 12:16:14
